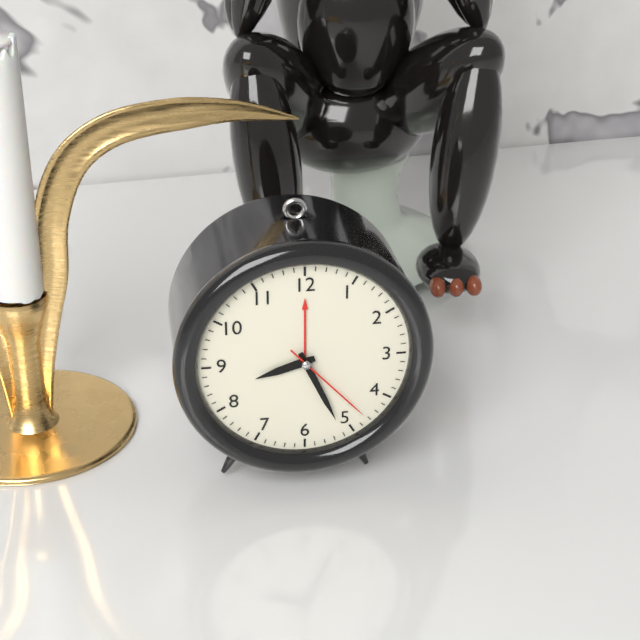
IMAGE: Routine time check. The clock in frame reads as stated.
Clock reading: 8:26:23
